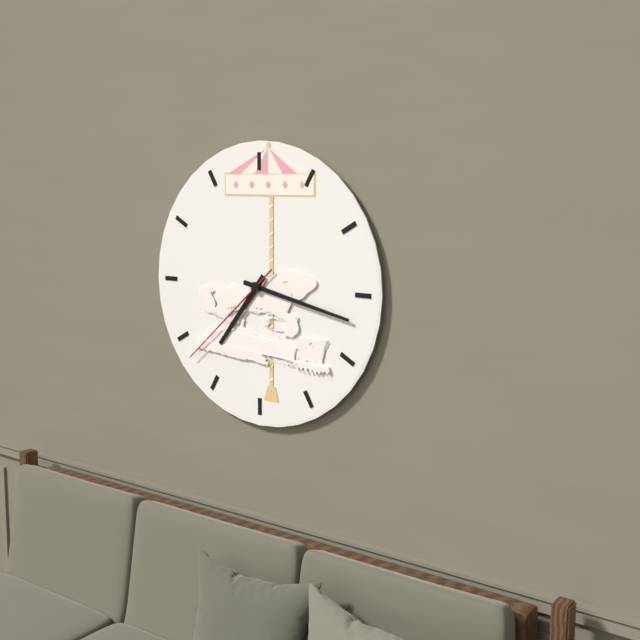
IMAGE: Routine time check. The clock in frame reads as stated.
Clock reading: 7:17:38
